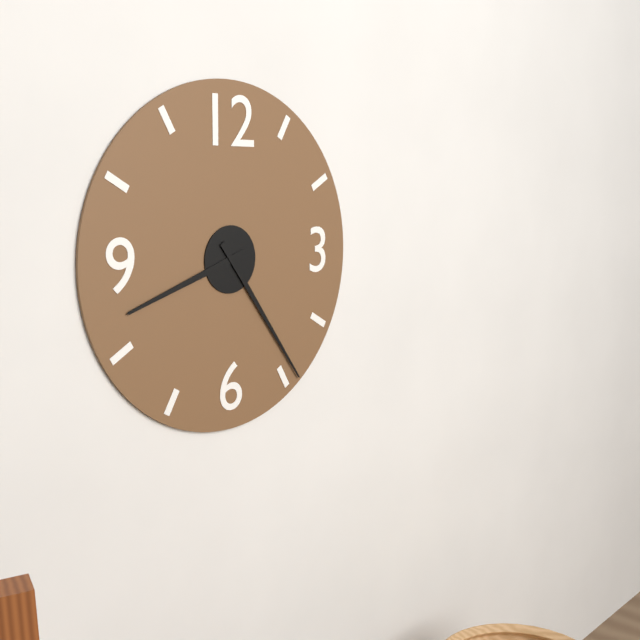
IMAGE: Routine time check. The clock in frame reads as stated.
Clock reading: 8:24
